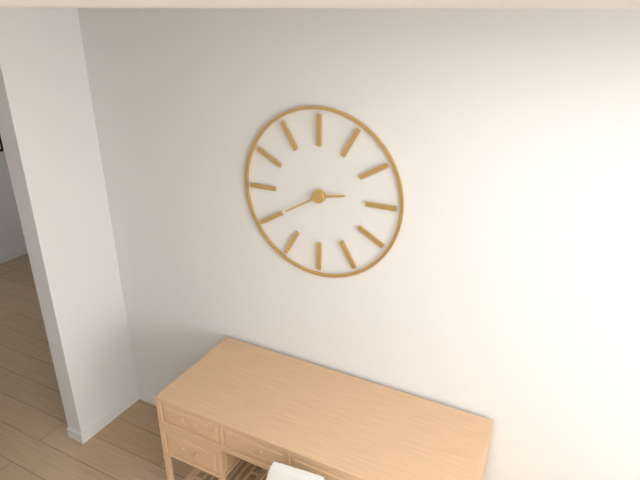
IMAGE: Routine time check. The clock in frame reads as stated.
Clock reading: 2:40
